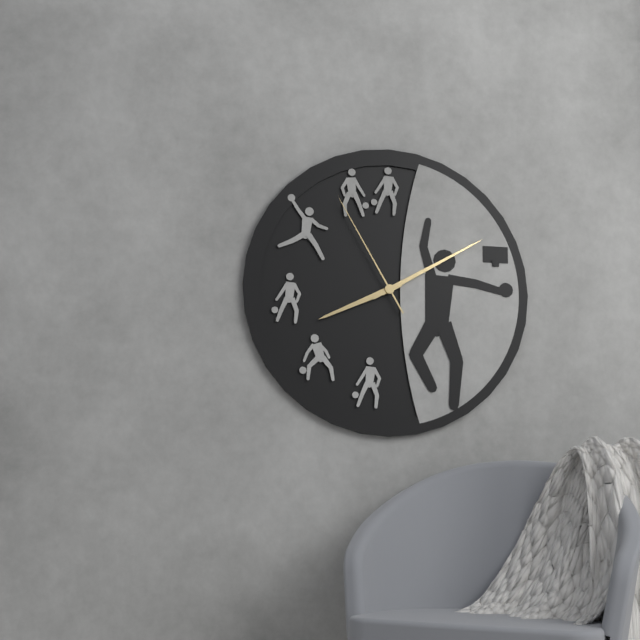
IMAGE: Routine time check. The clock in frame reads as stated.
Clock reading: 8:10:55
